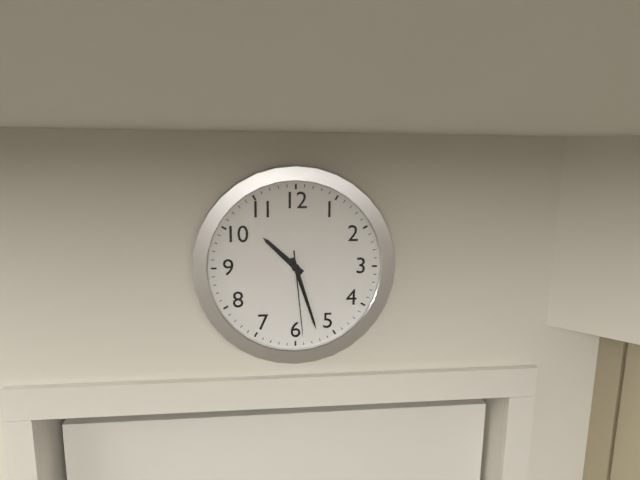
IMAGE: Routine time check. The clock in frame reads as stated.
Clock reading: 10:27:29
